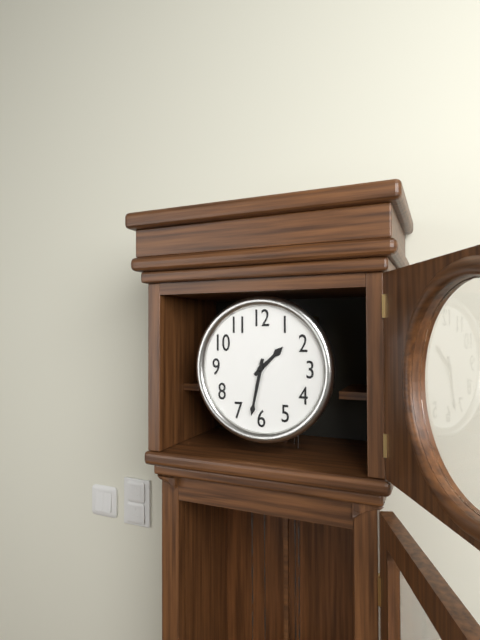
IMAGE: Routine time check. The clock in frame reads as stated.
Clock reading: 1:32
